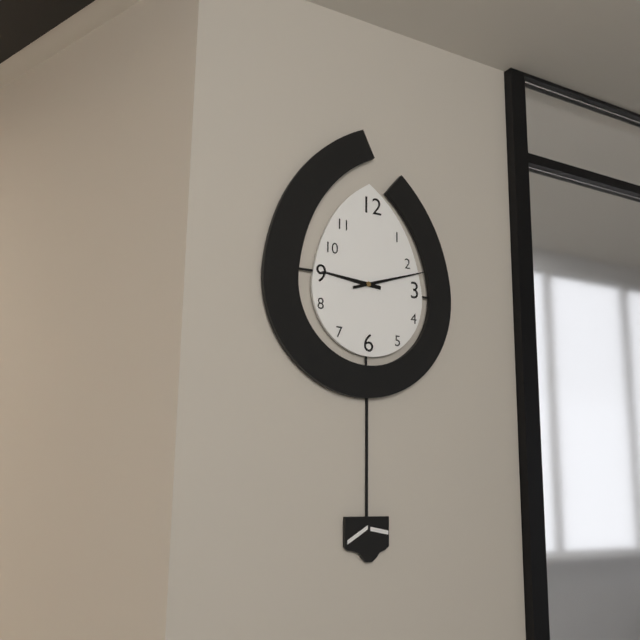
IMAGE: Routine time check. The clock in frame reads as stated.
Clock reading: 9:12
